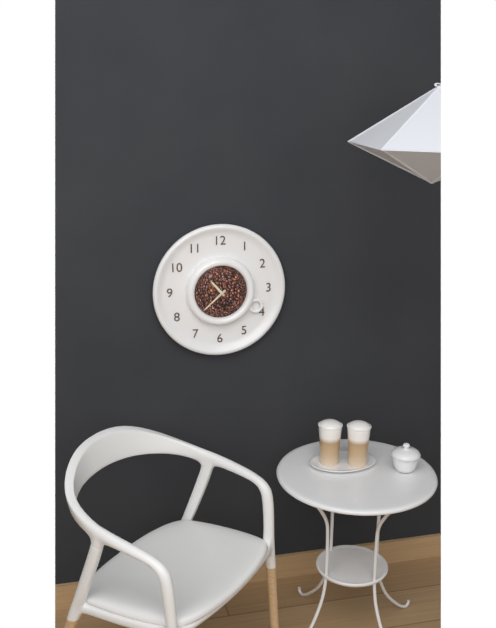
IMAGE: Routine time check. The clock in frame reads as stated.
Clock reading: 10:38
